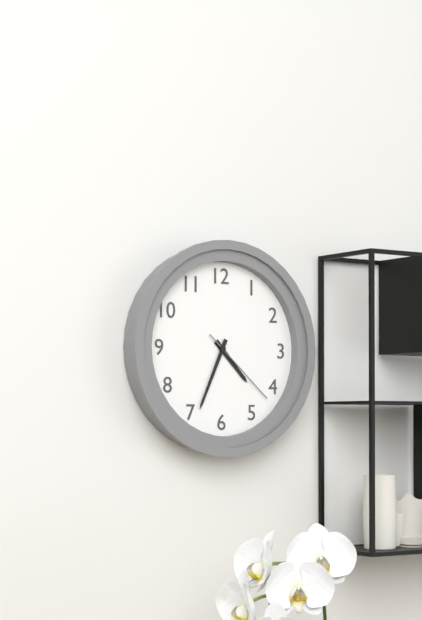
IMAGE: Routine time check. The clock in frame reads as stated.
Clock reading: 4:34:22
